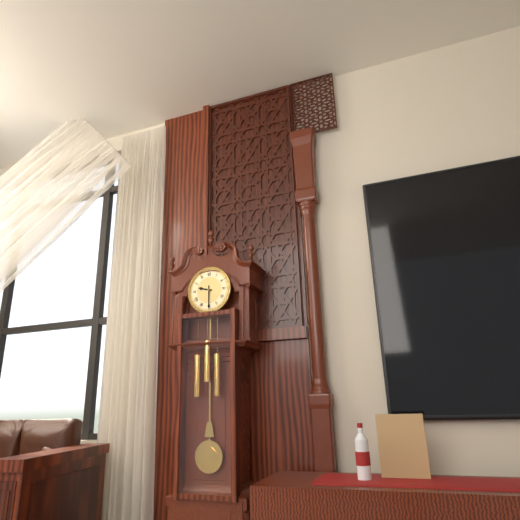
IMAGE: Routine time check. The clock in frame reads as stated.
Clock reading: 9:30
